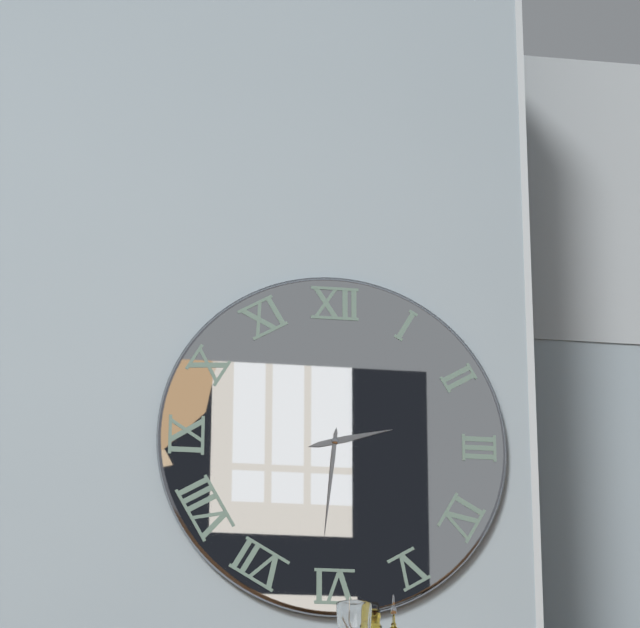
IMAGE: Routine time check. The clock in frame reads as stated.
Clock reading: 2:31
